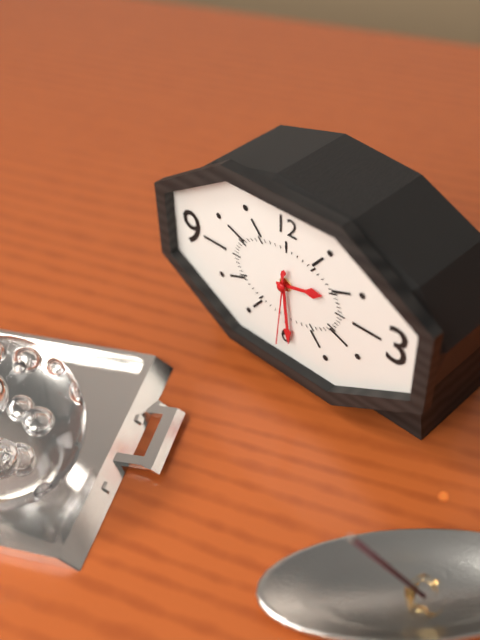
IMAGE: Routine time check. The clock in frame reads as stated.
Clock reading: 2:29:31
